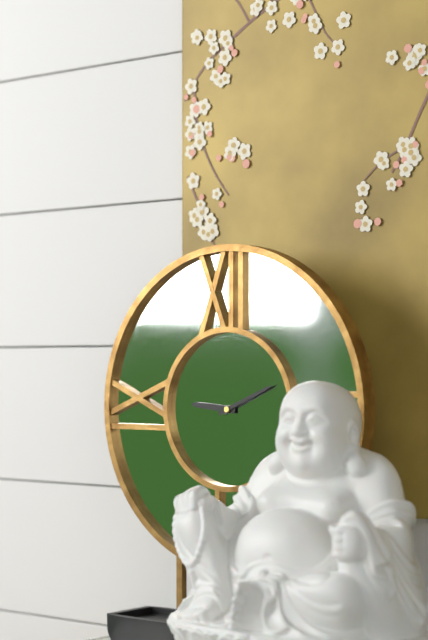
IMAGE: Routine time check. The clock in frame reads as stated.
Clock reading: 9:11
